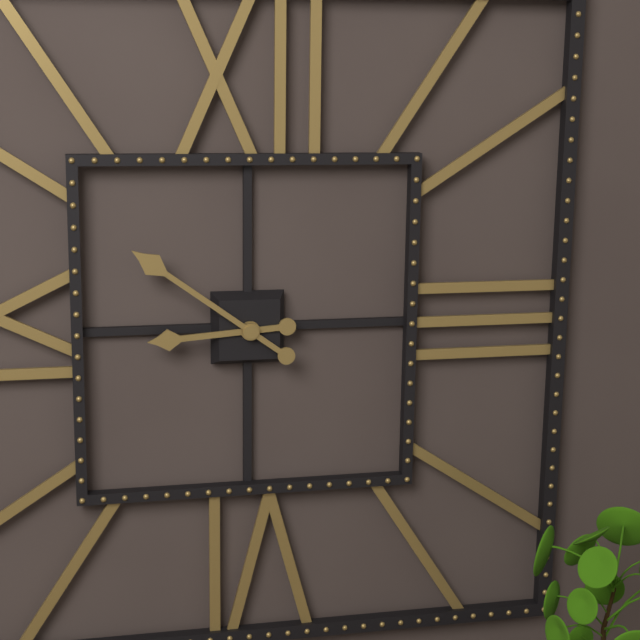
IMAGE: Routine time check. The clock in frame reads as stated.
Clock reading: 8:51
